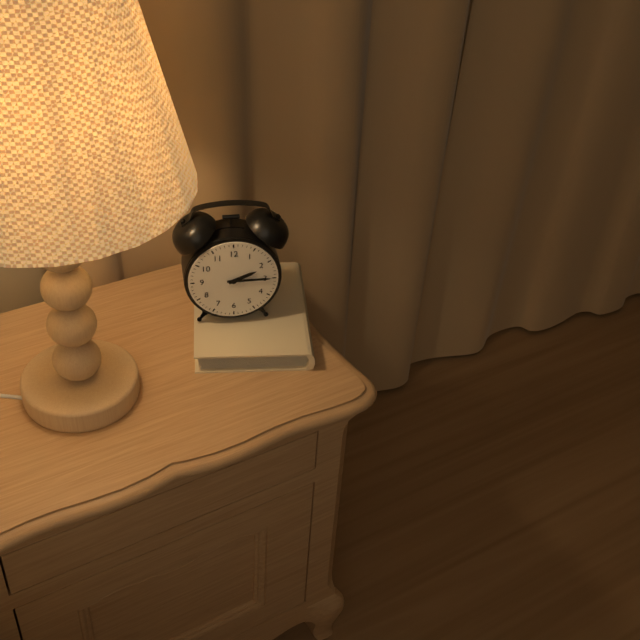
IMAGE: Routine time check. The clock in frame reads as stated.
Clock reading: 2:15
